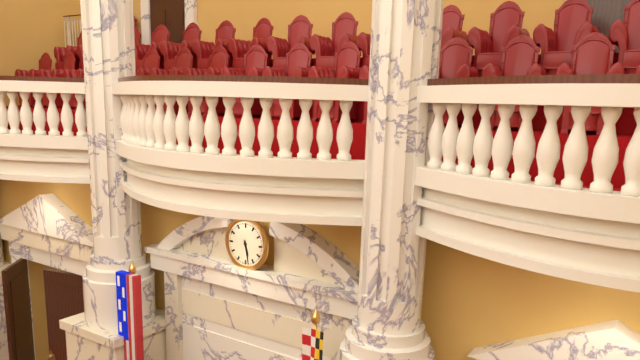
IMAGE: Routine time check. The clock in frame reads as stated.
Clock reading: 5:28
